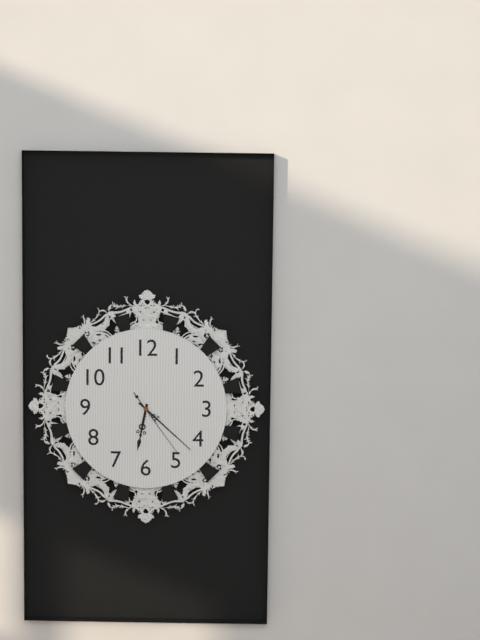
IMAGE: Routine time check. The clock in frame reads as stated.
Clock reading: 6:22:24
